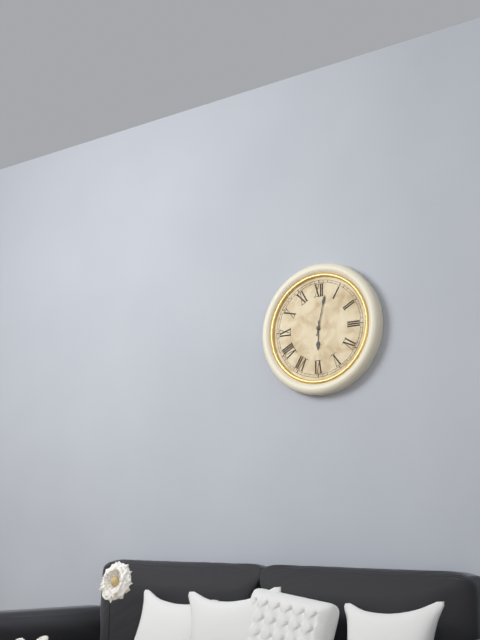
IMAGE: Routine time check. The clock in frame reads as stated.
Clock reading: 6:02
